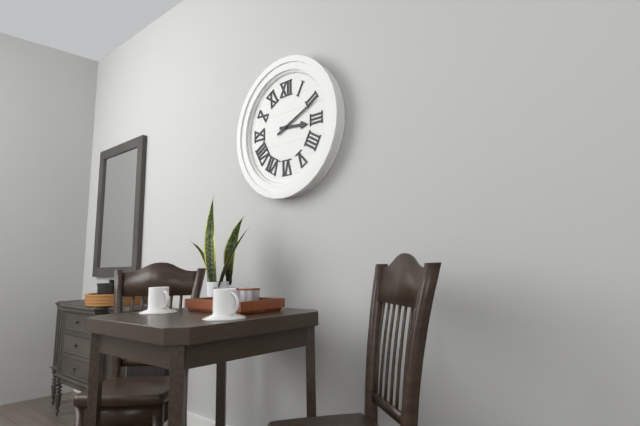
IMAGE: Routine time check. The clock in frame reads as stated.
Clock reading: 3:11
